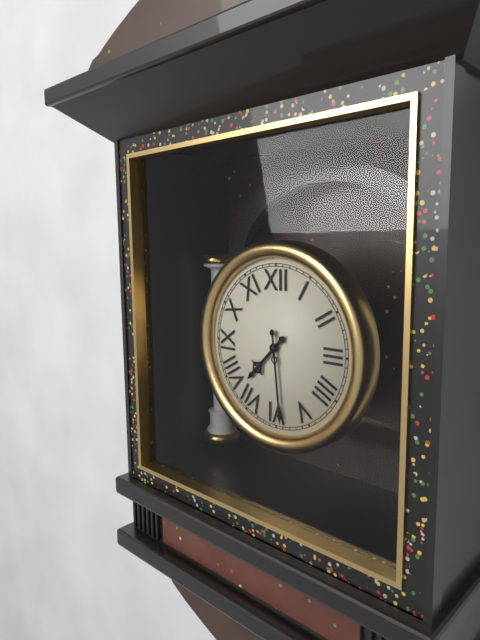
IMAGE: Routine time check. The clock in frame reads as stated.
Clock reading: 7:29
